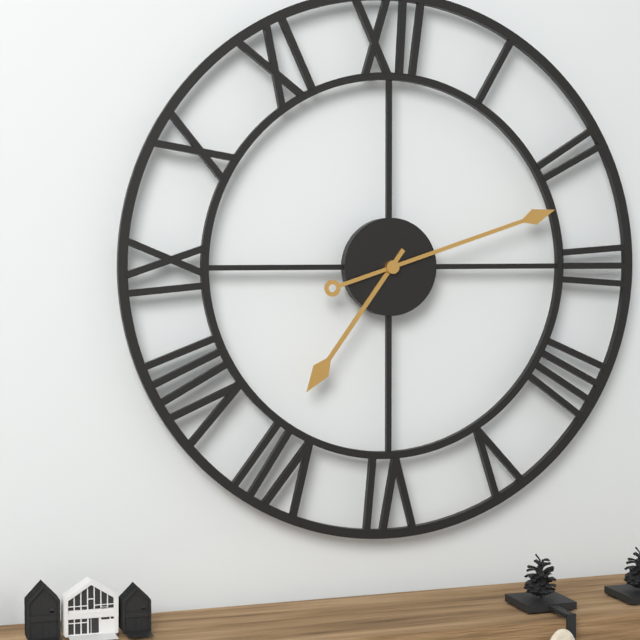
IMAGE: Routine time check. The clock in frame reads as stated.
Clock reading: 7:12
